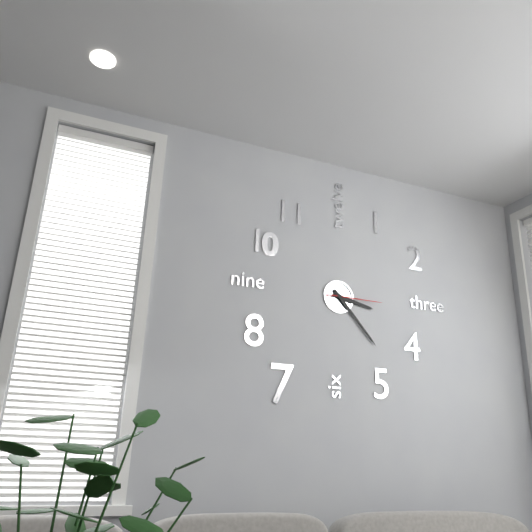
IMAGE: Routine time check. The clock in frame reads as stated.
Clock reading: 3:23:15
